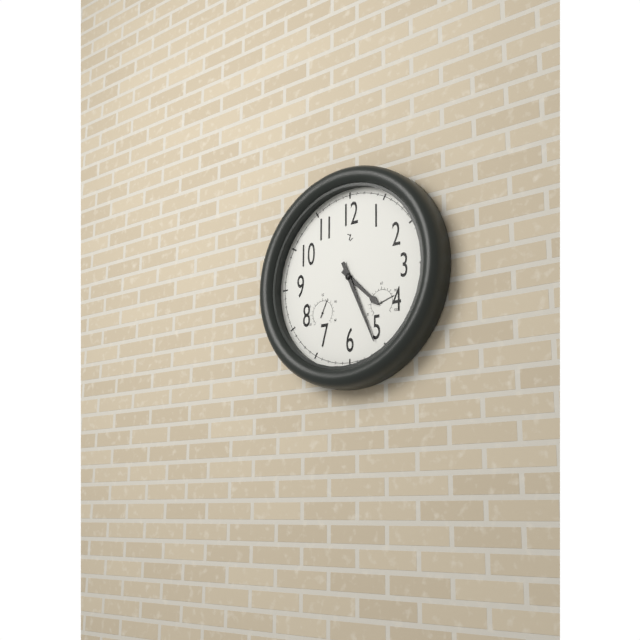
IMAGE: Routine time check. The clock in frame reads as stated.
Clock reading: 4:26
